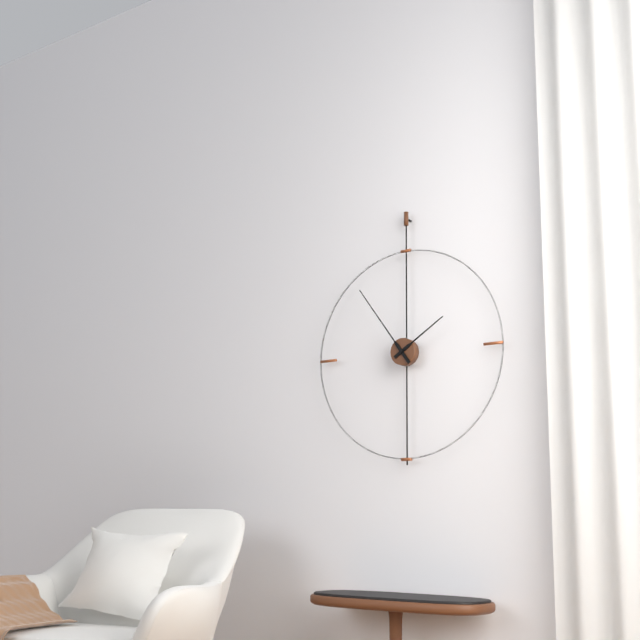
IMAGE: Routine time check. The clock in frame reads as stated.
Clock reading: 1:54
